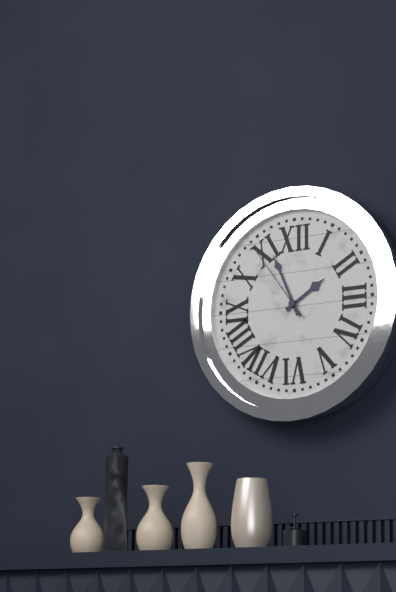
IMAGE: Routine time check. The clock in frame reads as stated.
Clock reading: 1:56:54
